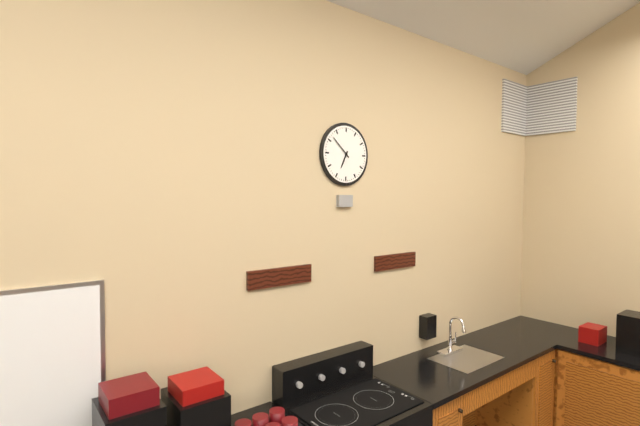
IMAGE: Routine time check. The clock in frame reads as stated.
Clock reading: 6:52
